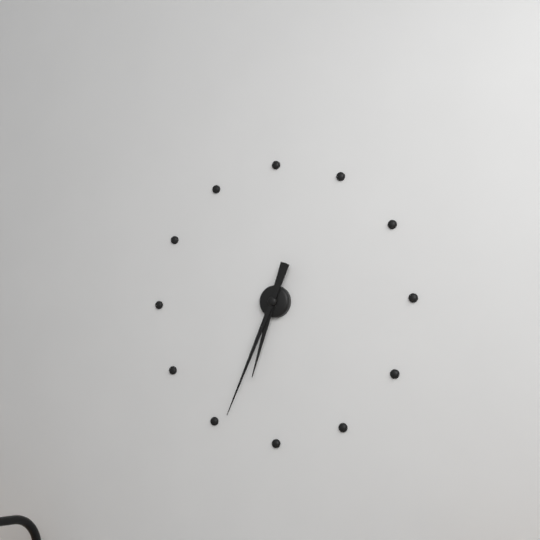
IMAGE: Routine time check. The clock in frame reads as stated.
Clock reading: 6:34
